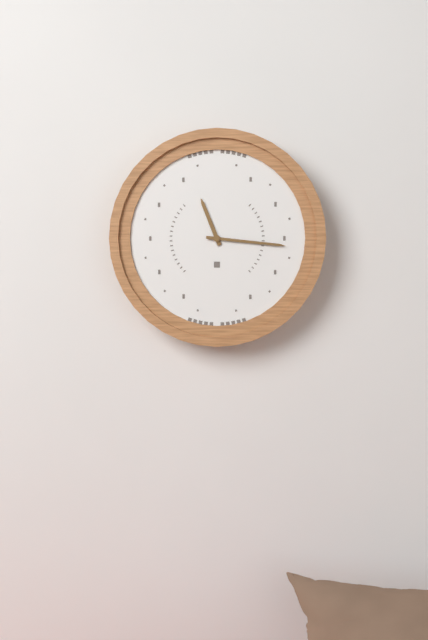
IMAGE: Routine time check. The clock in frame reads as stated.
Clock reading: 11:16
